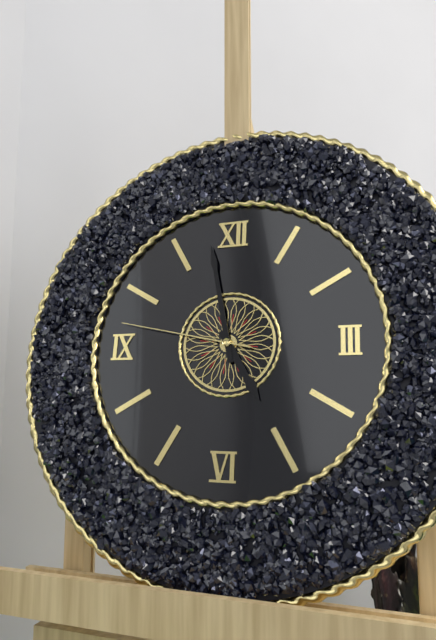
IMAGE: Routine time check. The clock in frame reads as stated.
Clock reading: 4:58:47
